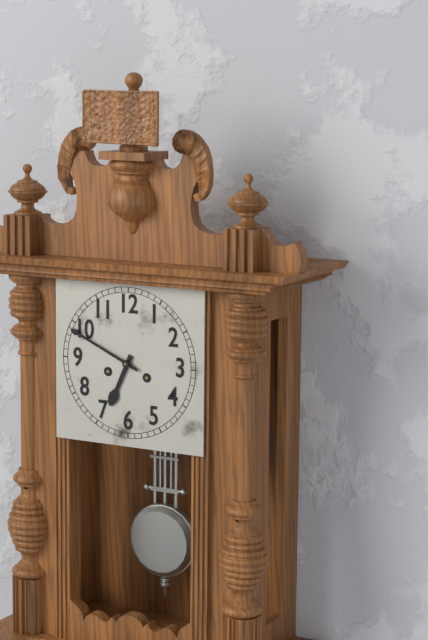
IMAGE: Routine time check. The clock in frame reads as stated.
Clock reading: 6:49
